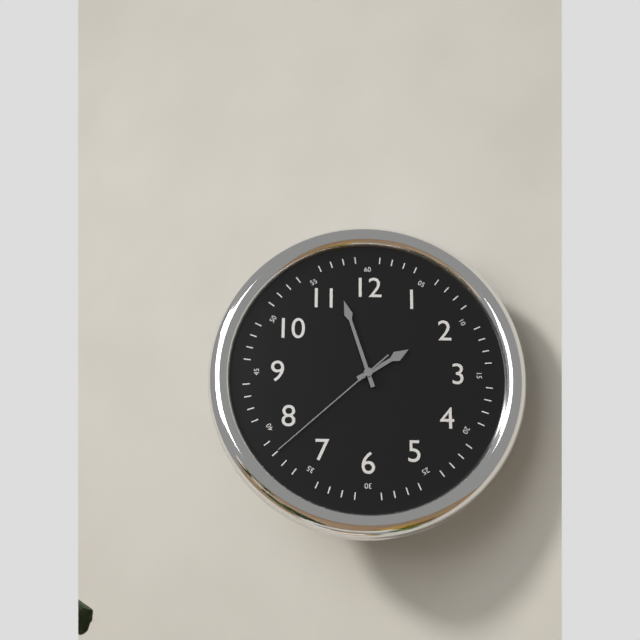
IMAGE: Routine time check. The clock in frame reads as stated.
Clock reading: 1:57:38
